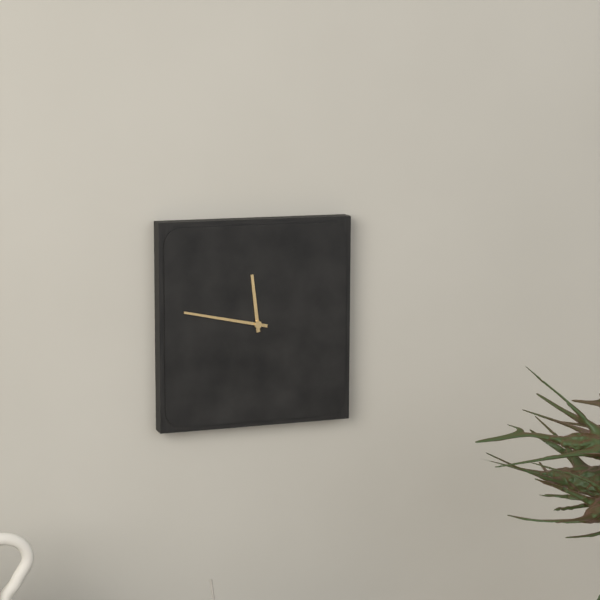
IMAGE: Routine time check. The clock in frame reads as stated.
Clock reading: 11:47
